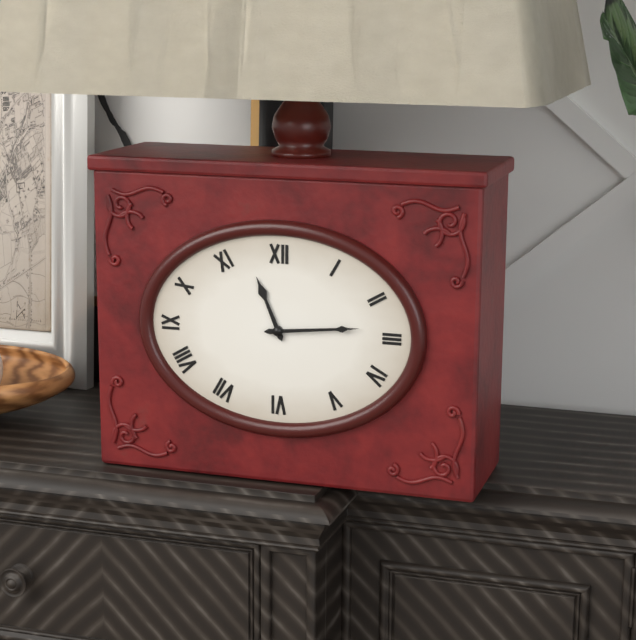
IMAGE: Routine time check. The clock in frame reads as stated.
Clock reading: 11:14
